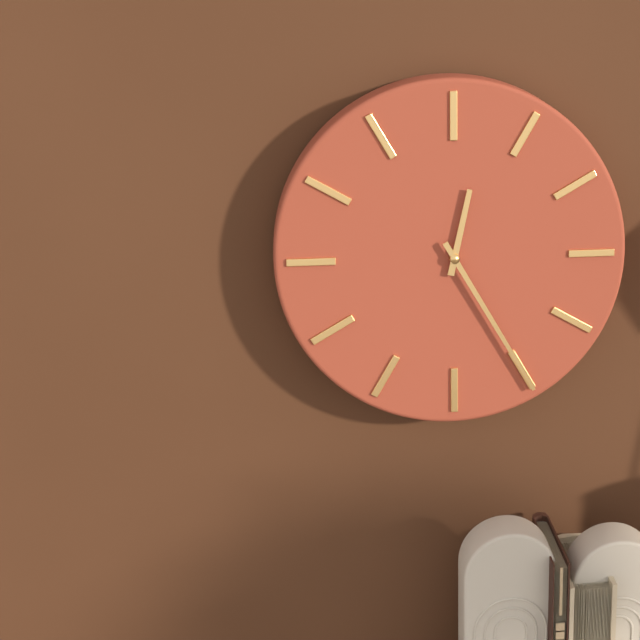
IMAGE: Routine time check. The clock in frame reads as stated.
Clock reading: 12:25
